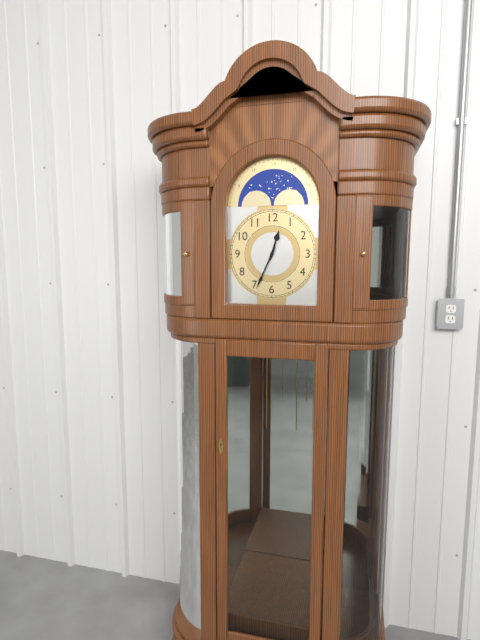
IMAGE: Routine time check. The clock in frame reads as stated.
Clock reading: 12:34
